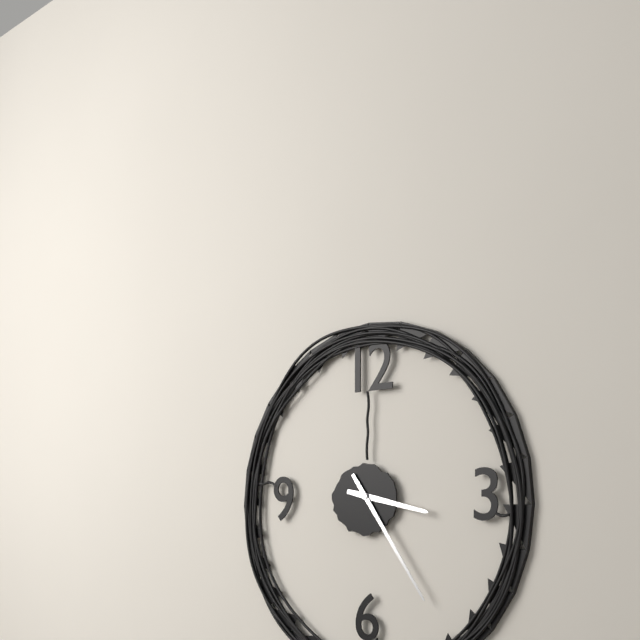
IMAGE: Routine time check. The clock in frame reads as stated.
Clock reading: 3:24
